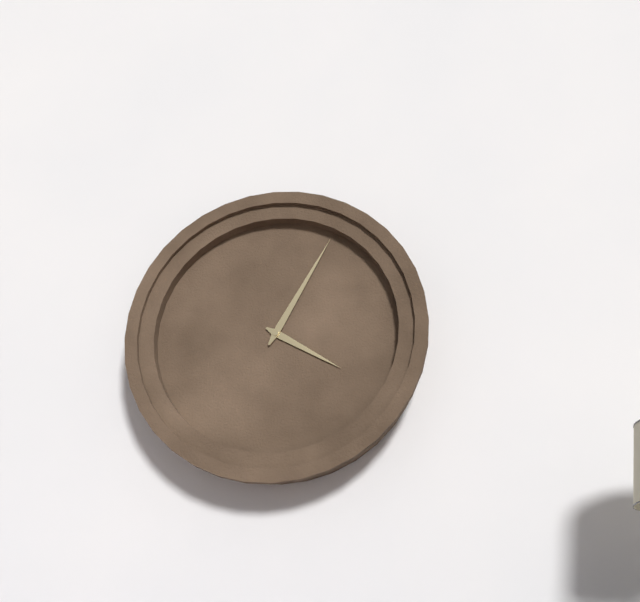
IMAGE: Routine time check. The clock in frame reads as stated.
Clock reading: 4:05
